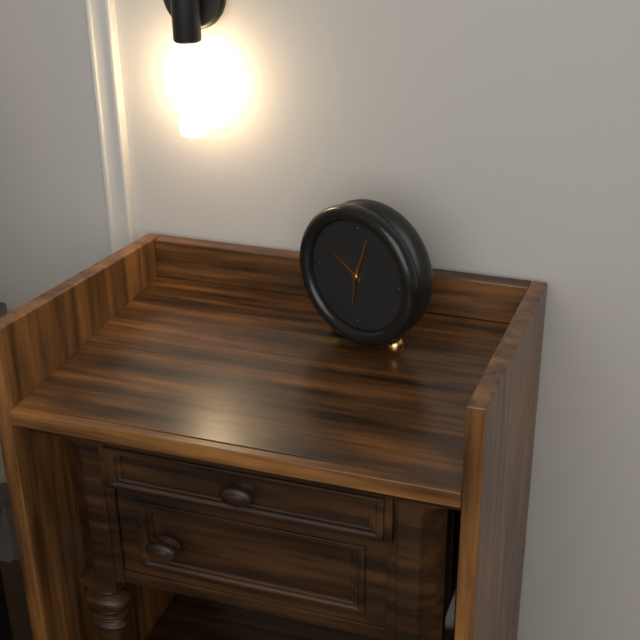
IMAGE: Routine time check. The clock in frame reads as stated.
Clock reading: 10:03
